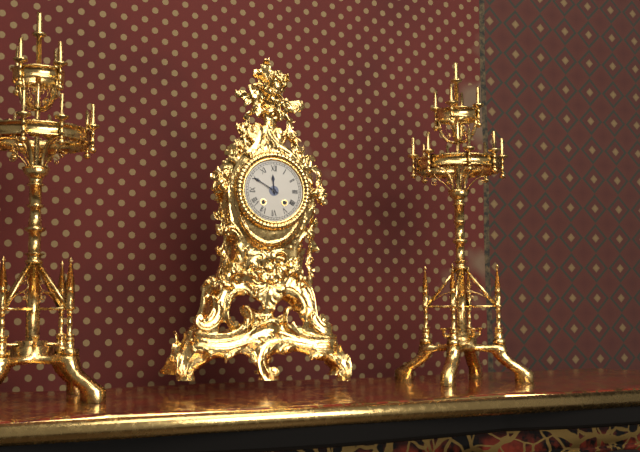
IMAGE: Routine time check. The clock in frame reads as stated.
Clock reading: 11:50
